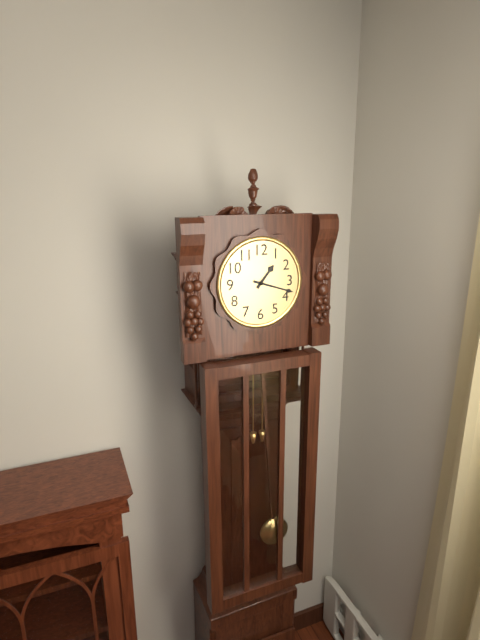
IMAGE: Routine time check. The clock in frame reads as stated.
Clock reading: 1:18
